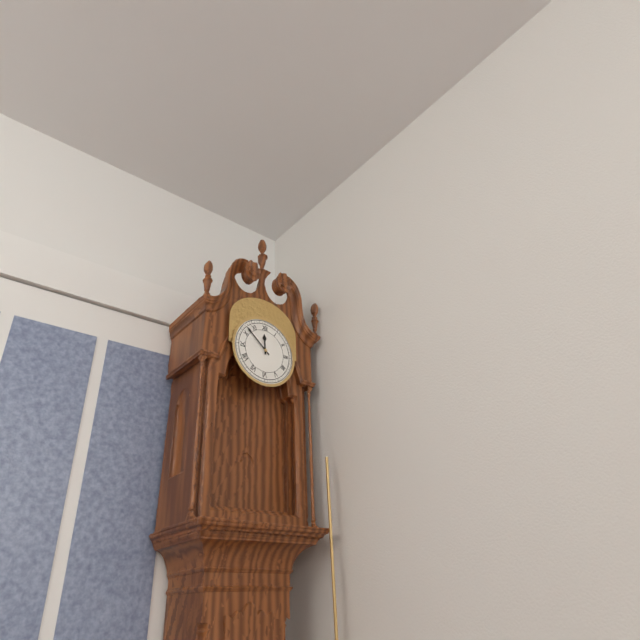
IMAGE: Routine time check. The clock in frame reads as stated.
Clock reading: 11:52
